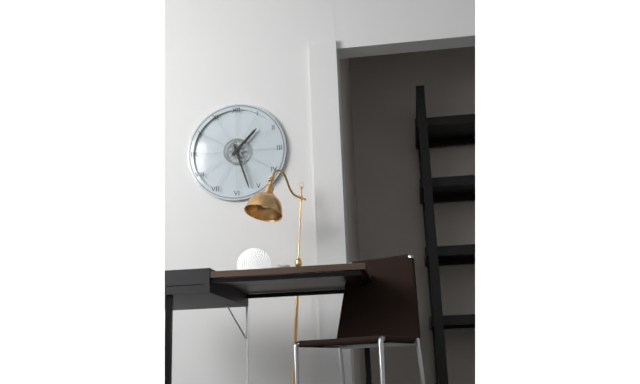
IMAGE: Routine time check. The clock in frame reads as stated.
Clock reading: 1:27
